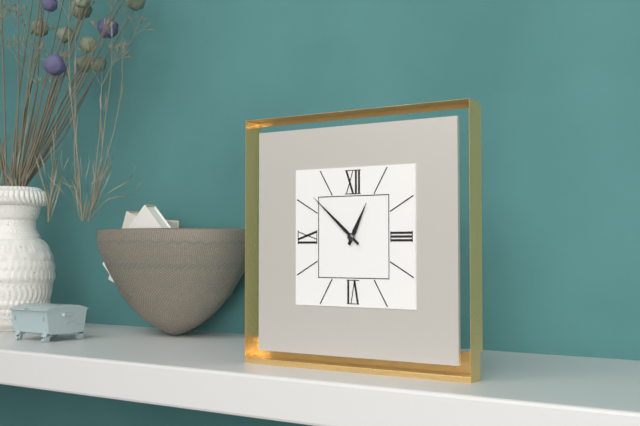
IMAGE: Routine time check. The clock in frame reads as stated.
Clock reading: 12:52
